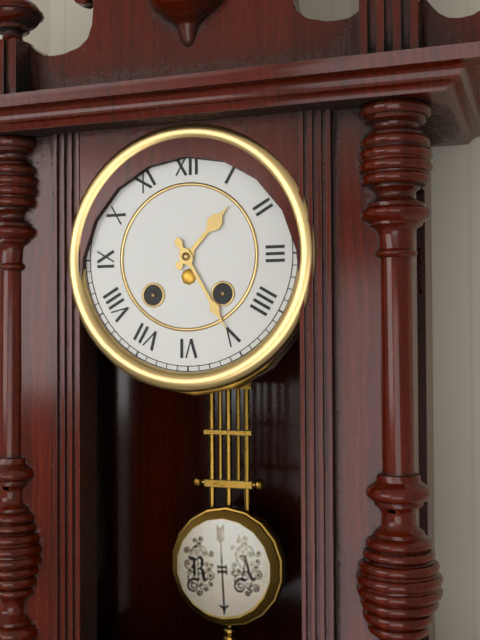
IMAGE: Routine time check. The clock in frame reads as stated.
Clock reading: 1:25
